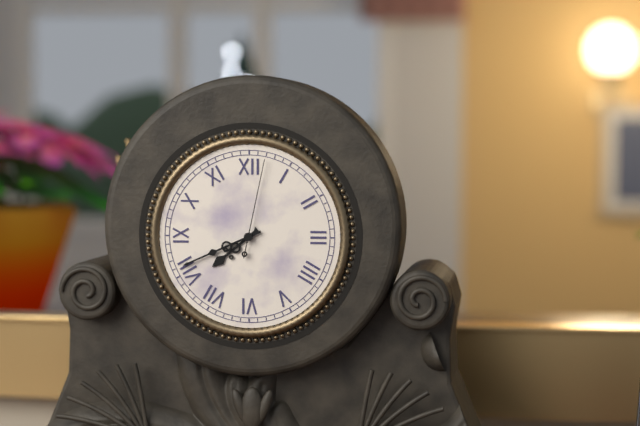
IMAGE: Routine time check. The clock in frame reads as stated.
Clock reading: 7:41:02
